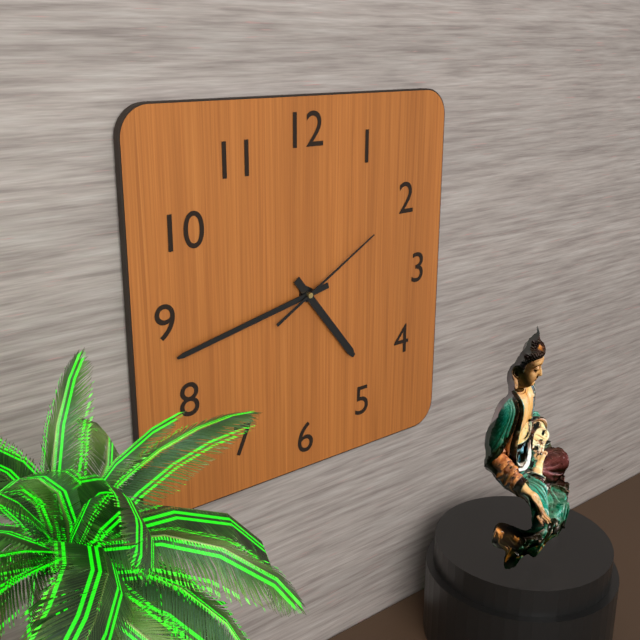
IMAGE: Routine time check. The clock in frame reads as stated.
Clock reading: 4:43:10
